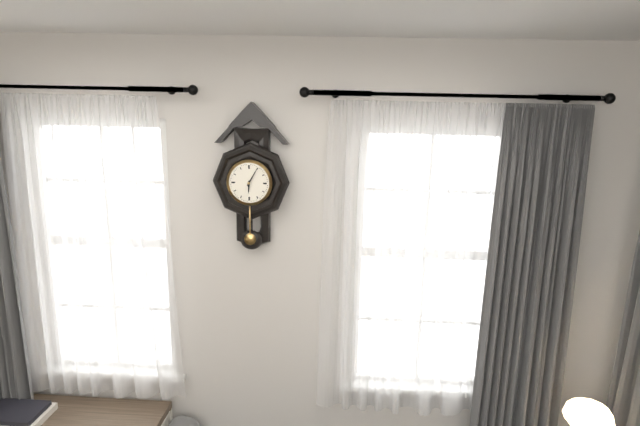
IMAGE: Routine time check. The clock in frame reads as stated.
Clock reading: 6:05
